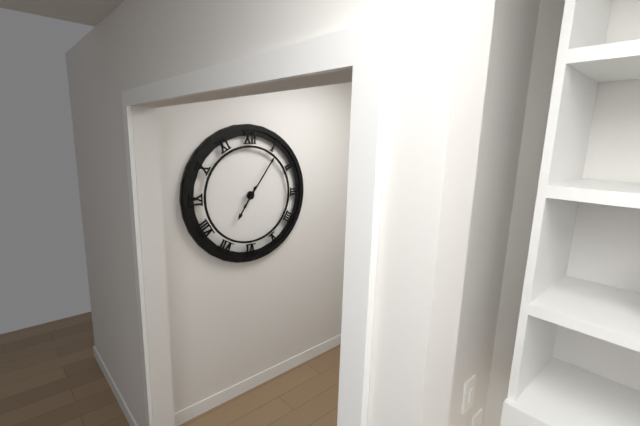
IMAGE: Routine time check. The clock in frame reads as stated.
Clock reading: 7:06
